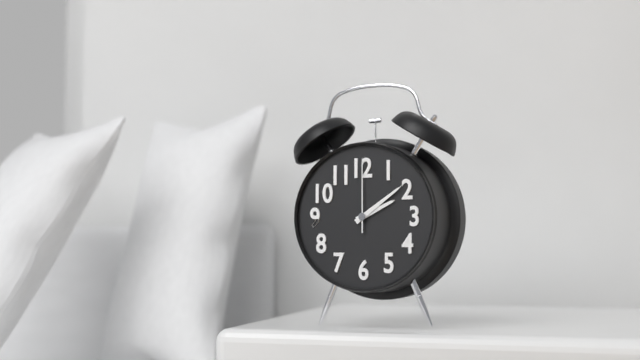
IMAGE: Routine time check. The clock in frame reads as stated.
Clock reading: 2:09:00
